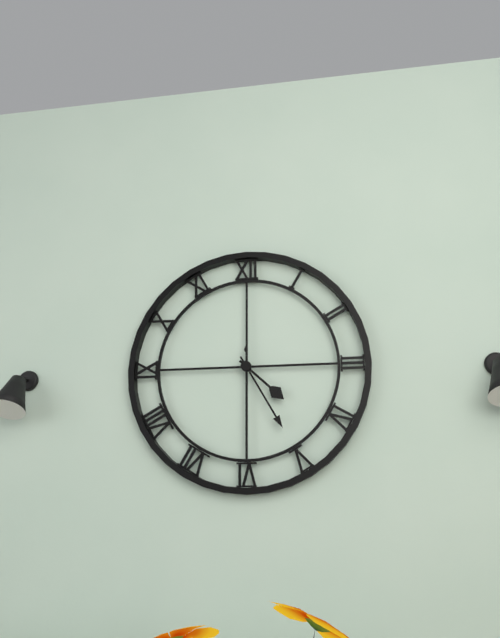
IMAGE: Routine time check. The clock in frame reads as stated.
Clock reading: 4:25:30
